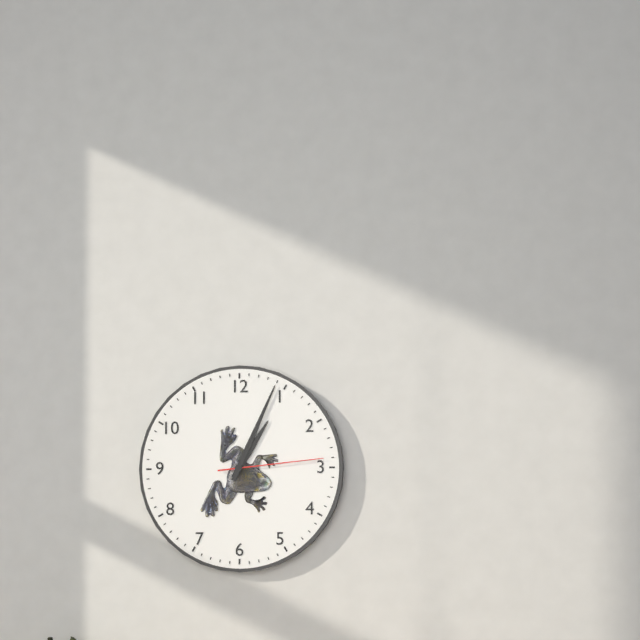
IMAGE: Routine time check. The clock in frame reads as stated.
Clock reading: 1:04:14
